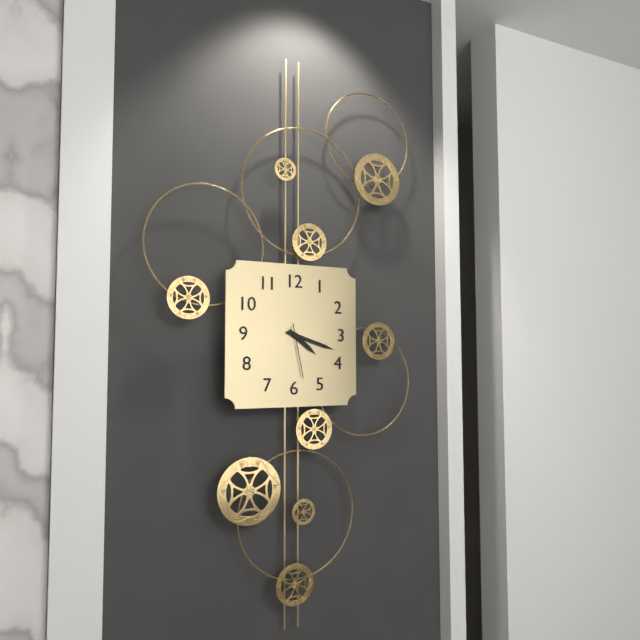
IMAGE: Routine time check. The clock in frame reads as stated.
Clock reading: 4:18:28
